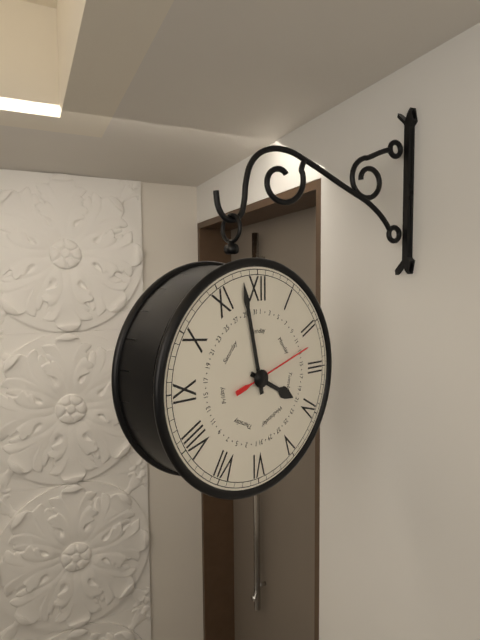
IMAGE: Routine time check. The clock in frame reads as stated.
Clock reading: 3:58:12
